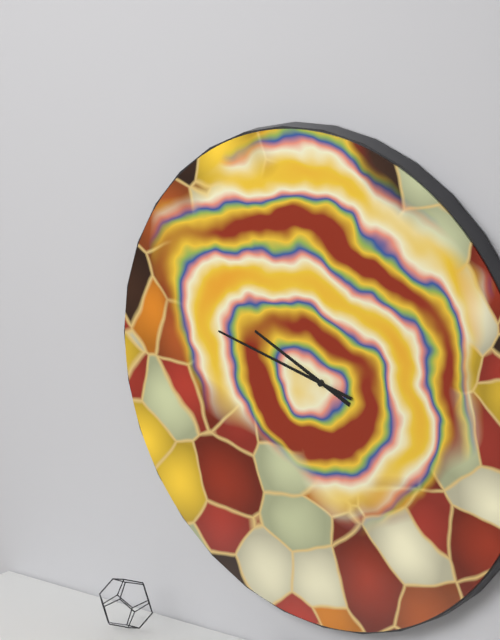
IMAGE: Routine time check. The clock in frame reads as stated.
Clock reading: 9:47
